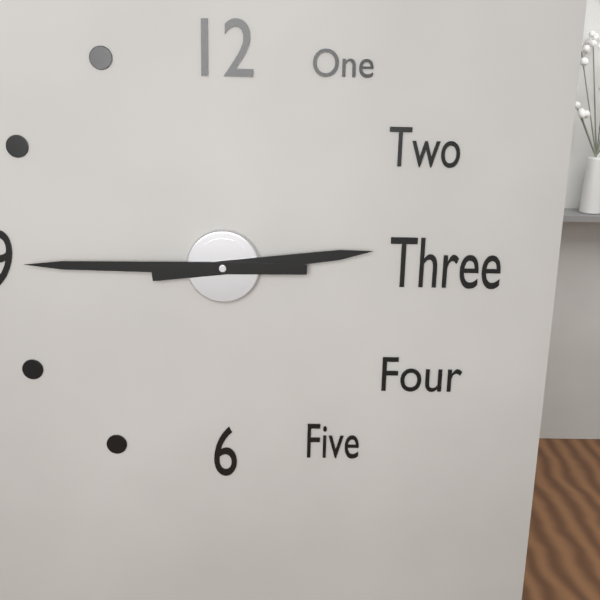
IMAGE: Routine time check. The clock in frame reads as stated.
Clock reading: 2:45
